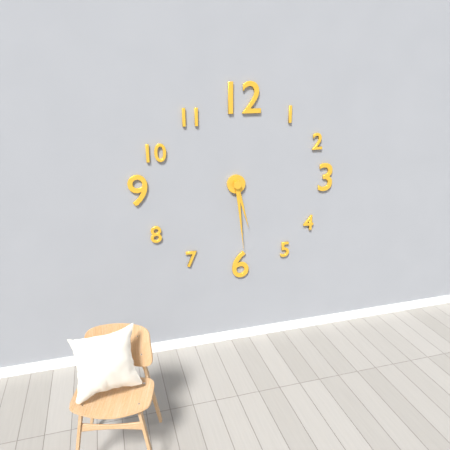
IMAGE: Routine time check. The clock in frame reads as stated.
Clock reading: 5:29
